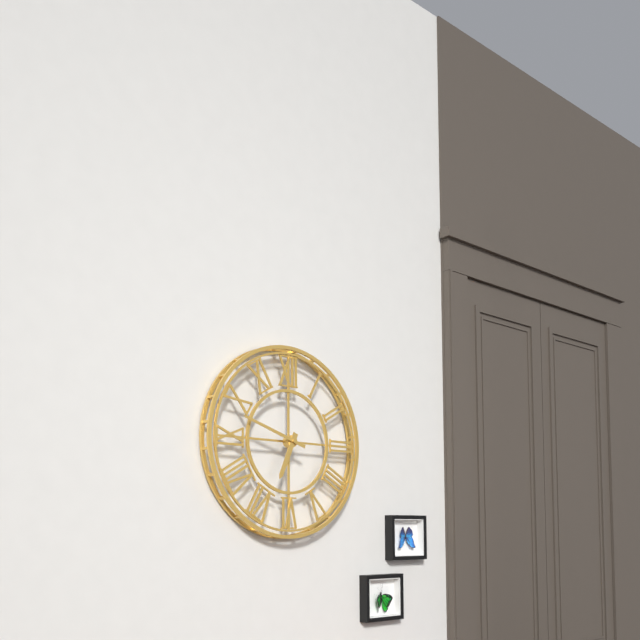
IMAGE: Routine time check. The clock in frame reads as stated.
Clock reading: 6:48
